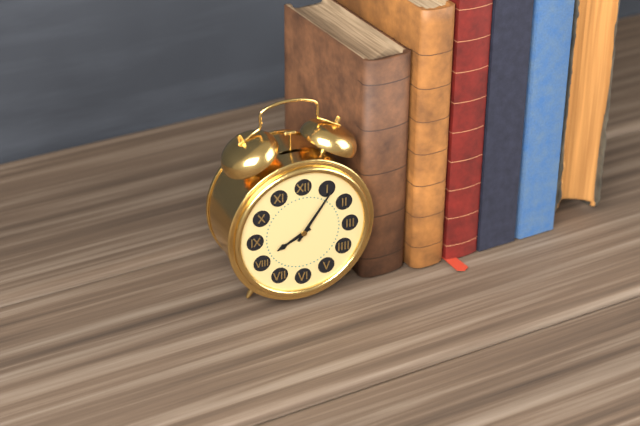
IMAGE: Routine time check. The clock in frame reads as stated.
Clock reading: 8:06
